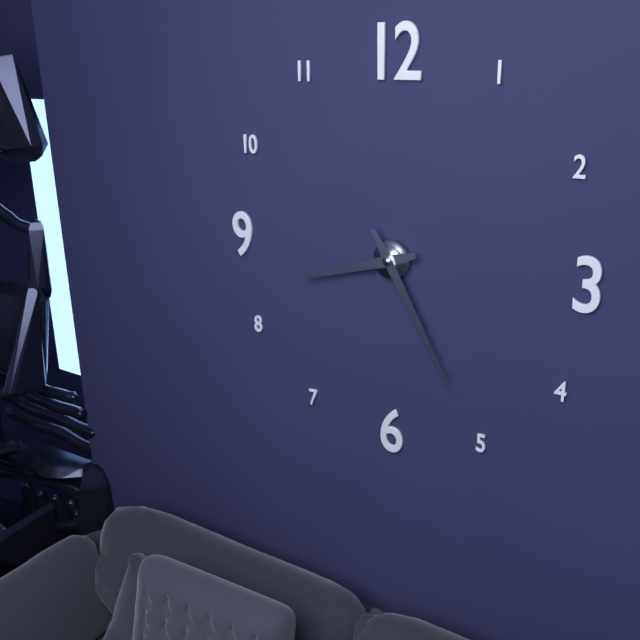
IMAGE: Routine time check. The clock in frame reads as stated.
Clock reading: 8:25
